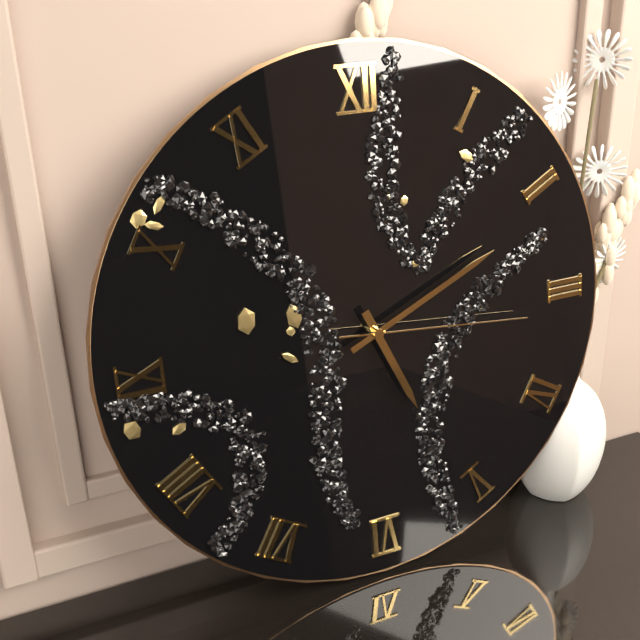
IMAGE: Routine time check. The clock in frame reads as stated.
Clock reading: 5:11:16
